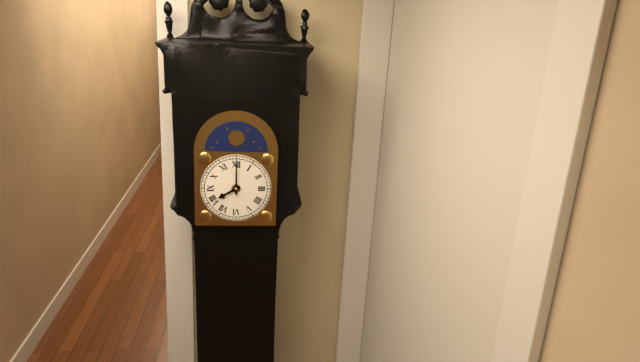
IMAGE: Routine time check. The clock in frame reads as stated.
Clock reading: 8:00
